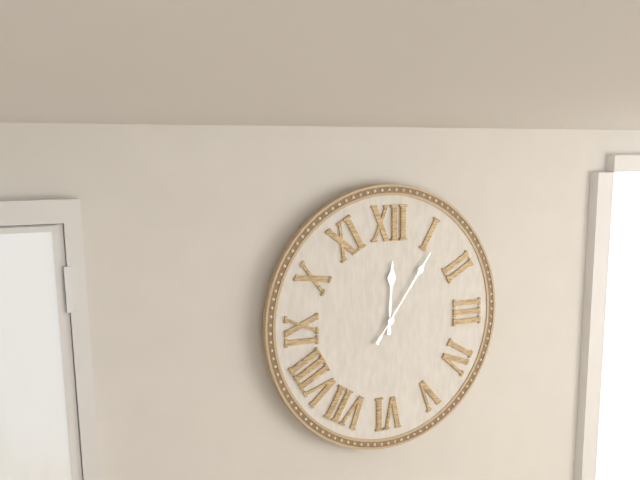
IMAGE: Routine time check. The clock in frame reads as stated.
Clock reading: 12:06
